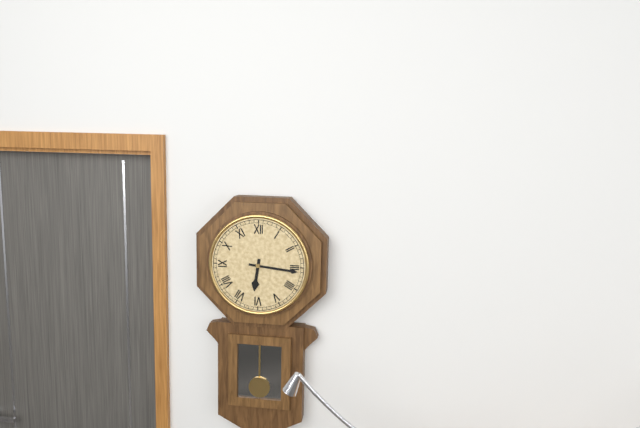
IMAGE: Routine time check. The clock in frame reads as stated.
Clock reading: 6:16
